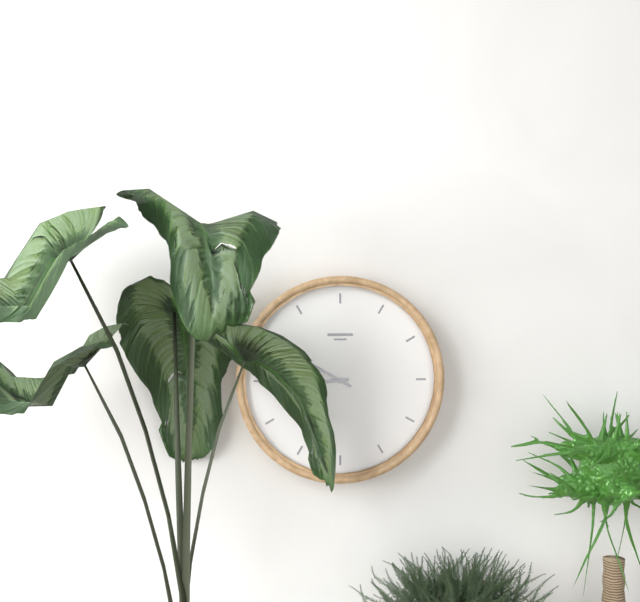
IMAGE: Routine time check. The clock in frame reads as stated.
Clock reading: 8:50
